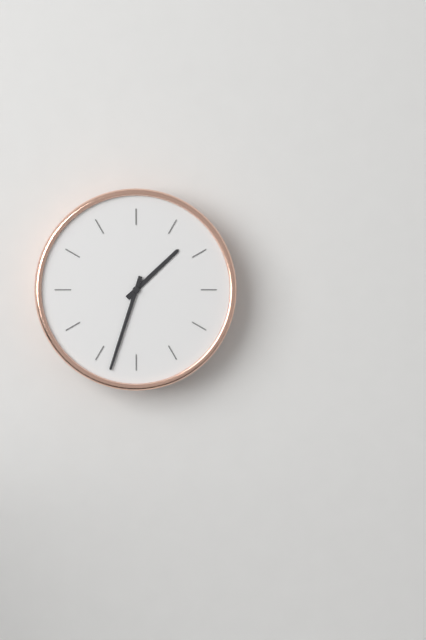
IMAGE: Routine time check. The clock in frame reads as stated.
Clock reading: 1:33
